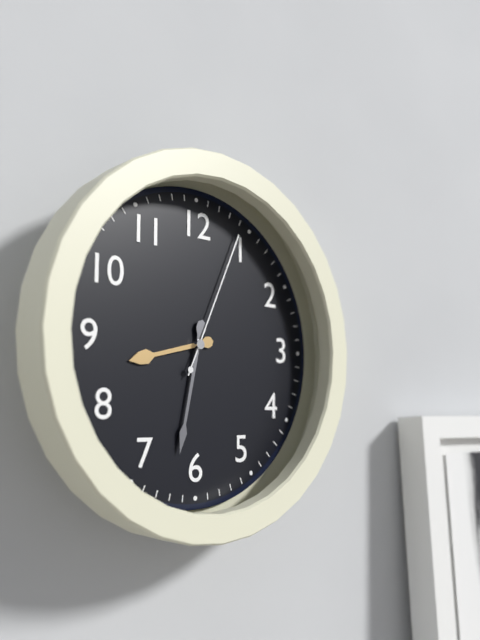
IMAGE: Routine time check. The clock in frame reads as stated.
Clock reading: 8:32:04
